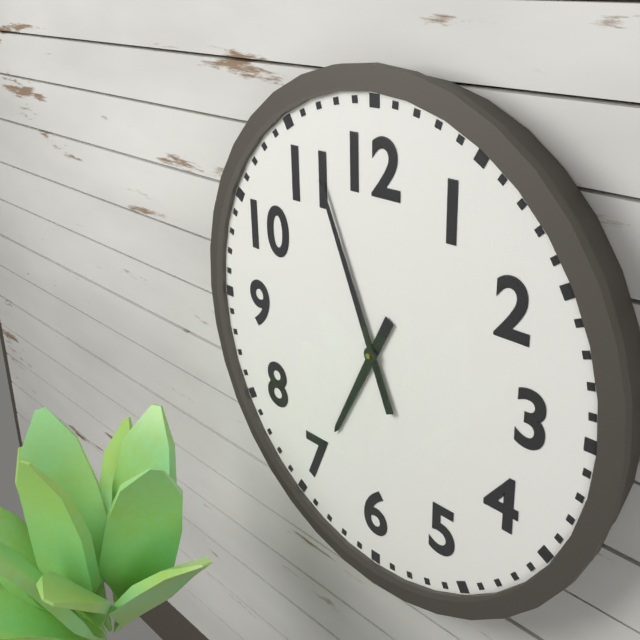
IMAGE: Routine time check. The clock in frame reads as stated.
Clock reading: 6:56
